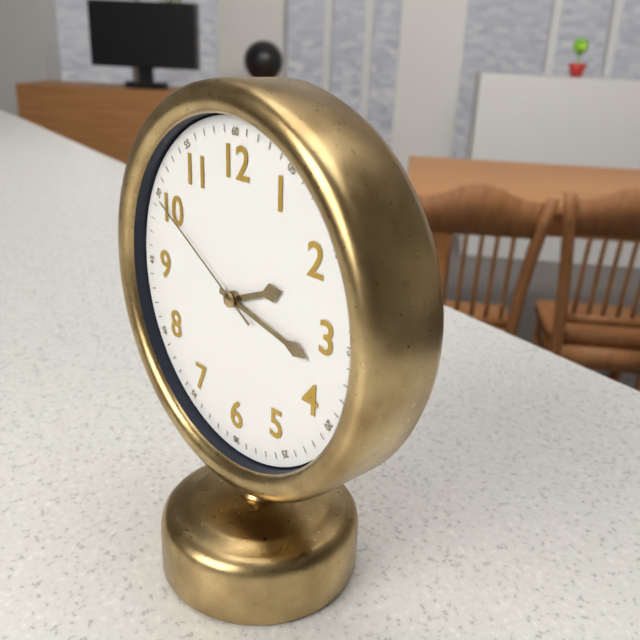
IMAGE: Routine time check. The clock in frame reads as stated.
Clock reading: 2:17:50
